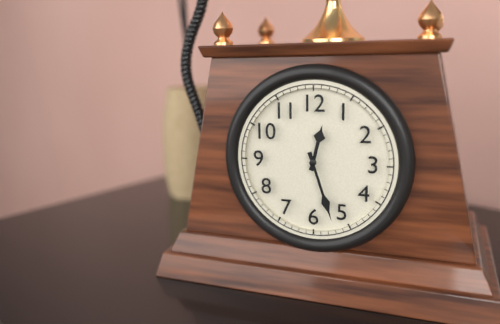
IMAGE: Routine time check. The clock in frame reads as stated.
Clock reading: 12:27
